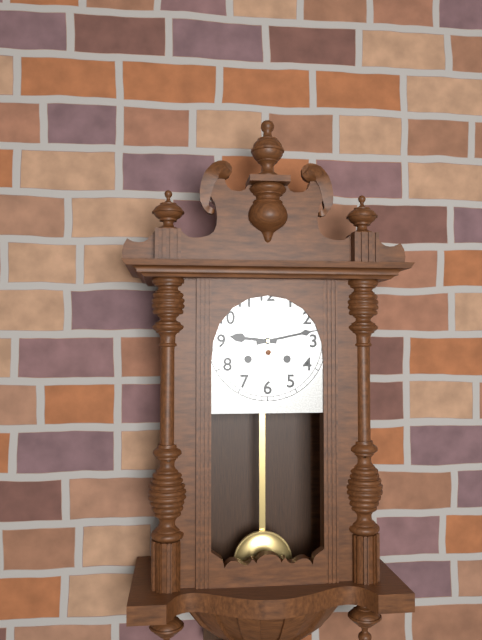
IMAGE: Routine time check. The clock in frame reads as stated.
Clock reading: 9:13
